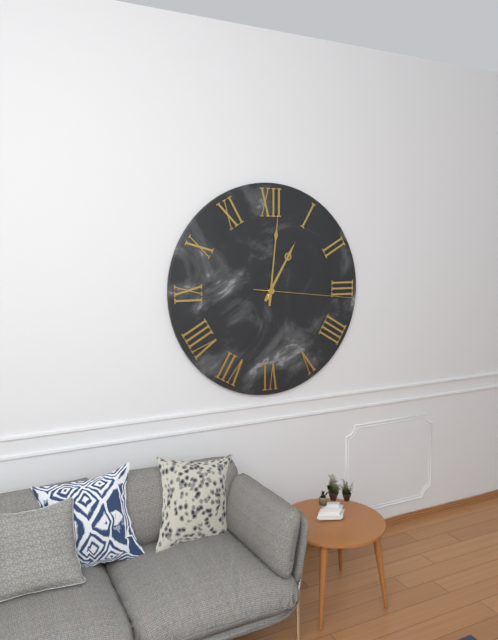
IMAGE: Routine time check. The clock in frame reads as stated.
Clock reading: 1:01:16
